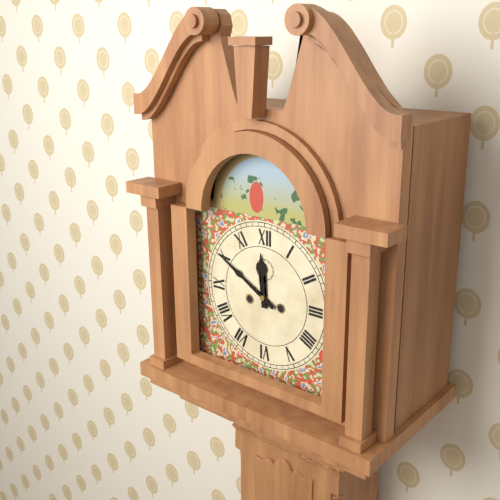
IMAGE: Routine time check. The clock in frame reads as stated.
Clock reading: 11:50
